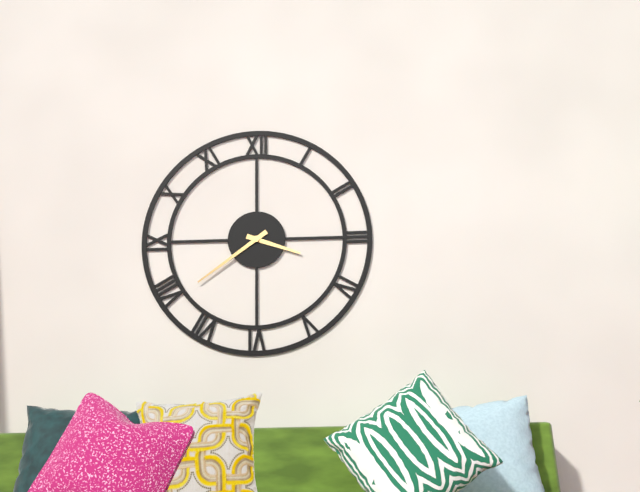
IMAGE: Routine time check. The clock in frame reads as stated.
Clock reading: 3:39
